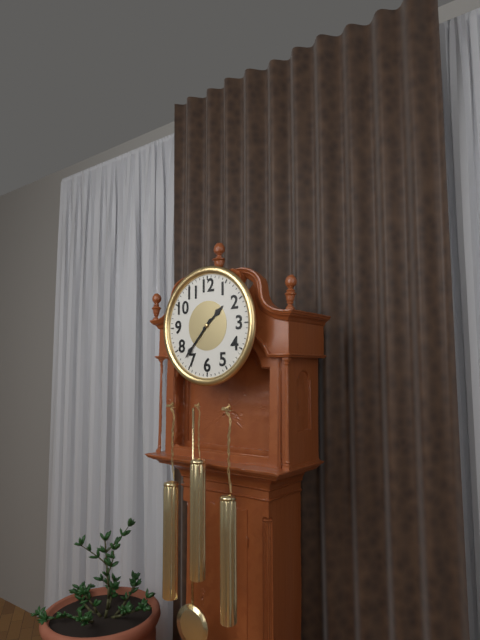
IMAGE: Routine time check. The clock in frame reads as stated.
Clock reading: 1:37
